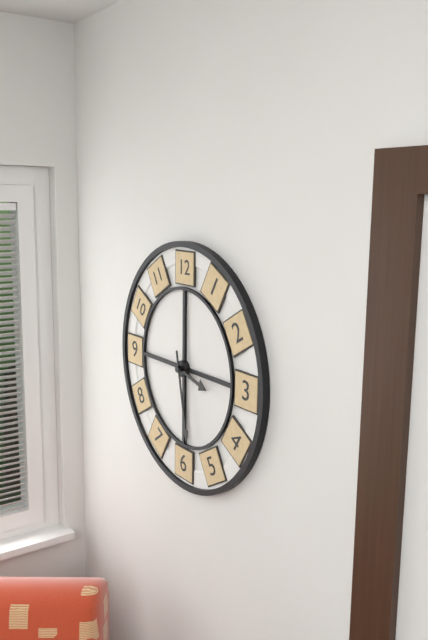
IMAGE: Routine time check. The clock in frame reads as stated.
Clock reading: 3:28
